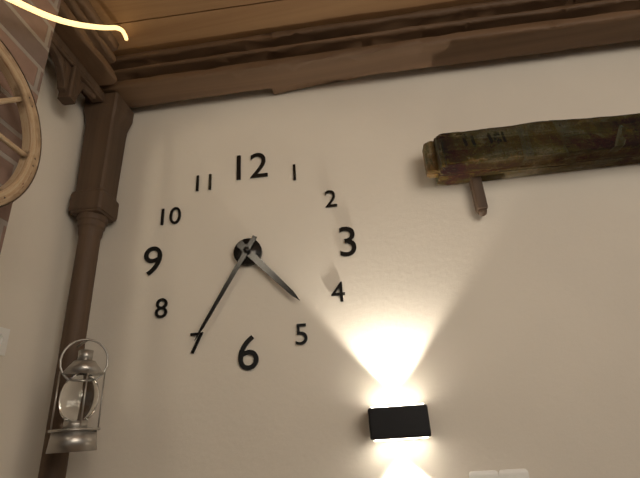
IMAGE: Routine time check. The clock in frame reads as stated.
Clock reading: 4:35
